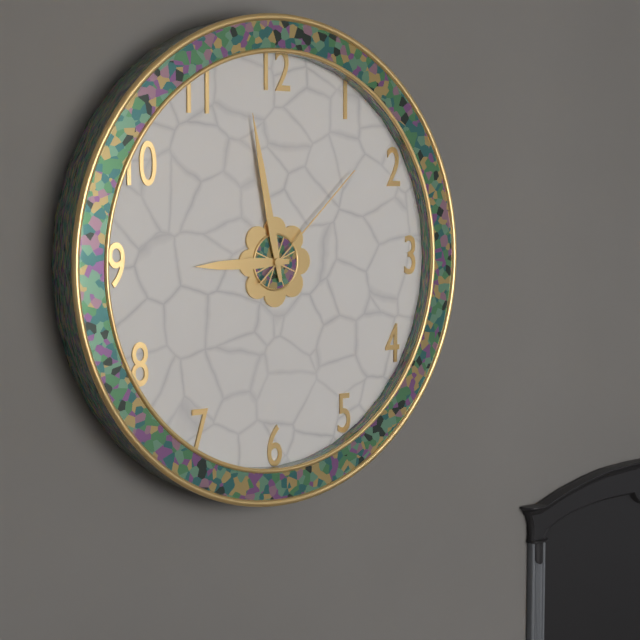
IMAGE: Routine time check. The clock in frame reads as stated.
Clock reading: 8:58:08
